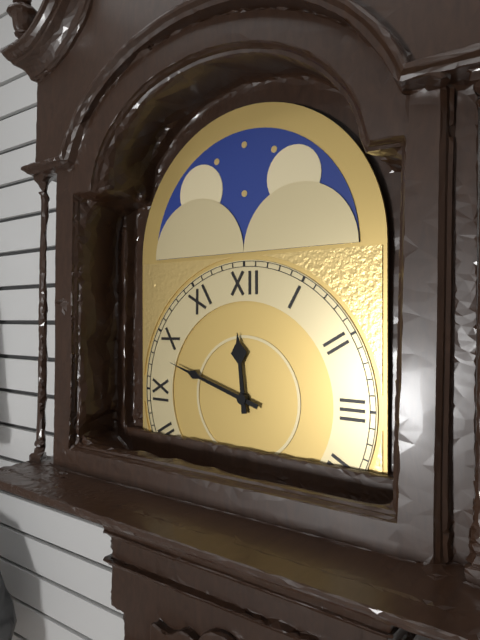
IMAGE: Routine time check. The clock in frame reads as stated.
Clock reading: 11:48
